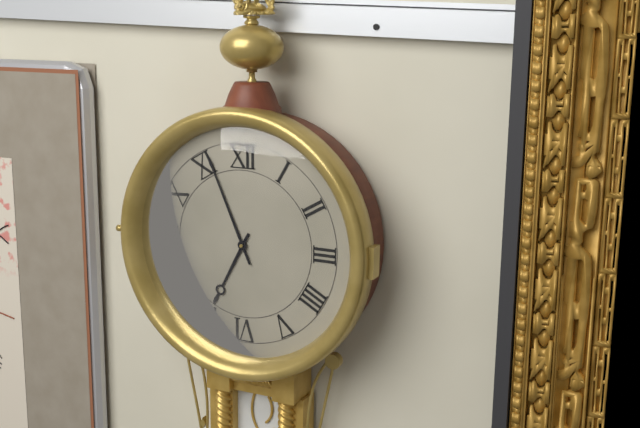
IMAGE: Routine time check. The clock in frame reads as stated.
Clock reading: 6:56
